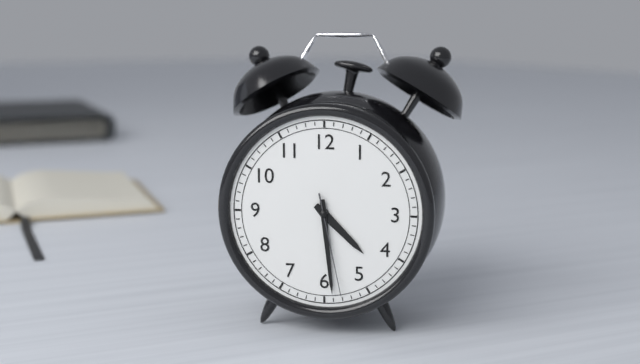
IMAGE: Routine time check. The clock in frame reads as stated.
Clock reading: 4:29:28
